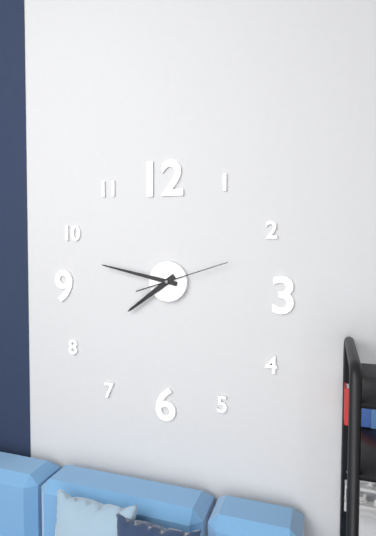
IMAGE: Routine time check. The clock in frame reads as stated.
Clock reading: 7:47:12
